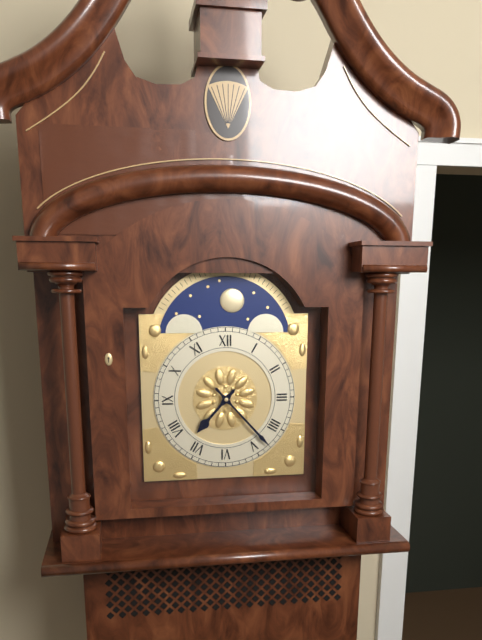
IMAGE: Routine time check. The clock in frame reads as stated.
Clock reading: 7:23
